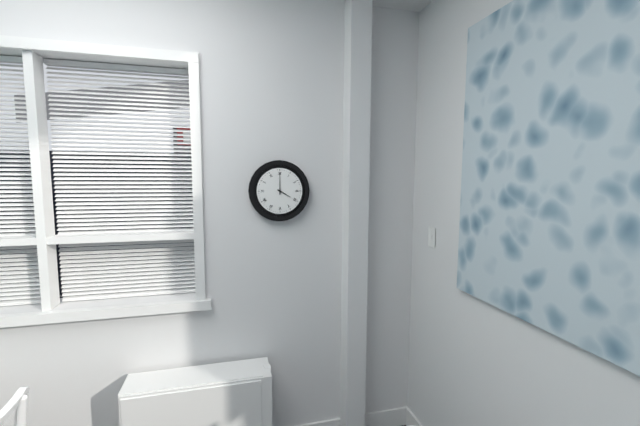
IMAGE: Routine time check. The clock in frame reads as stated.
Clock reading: 4:00
